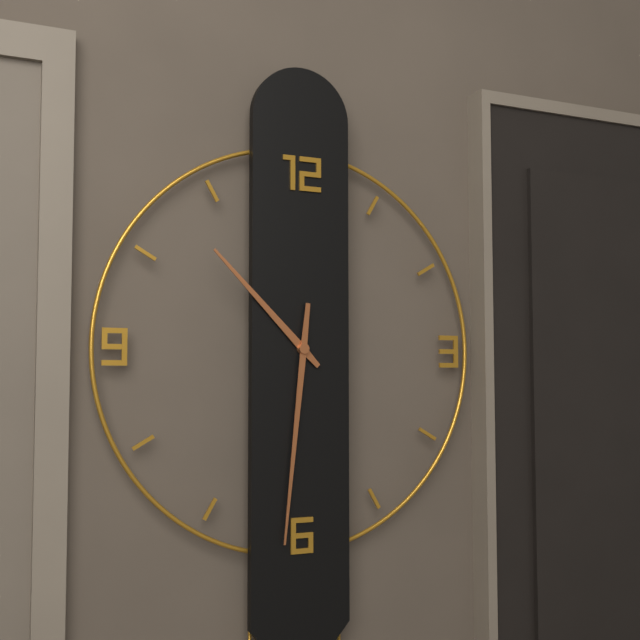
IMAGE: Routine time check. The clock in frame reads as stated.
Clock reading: 10:31
